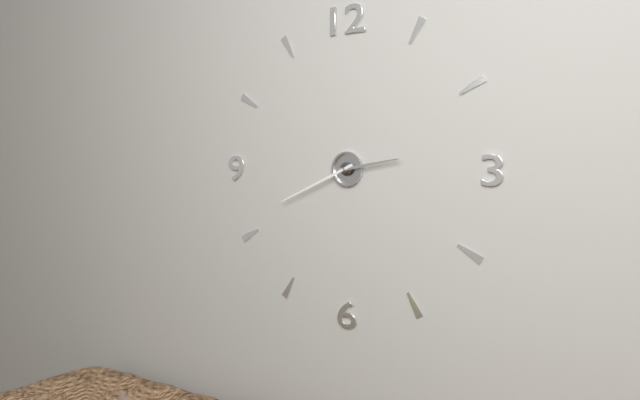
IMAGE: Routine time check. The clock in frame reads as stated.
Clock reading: 2:41
